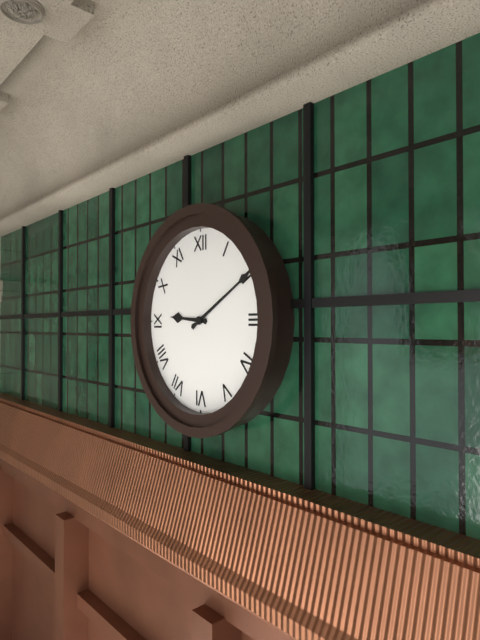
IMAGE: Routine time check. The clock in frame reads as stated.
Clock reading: 9:10
